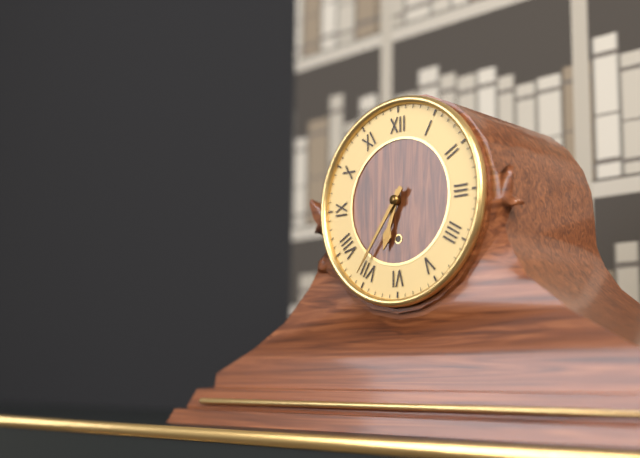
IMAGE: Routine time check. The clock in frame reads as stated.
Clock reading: 6:36
